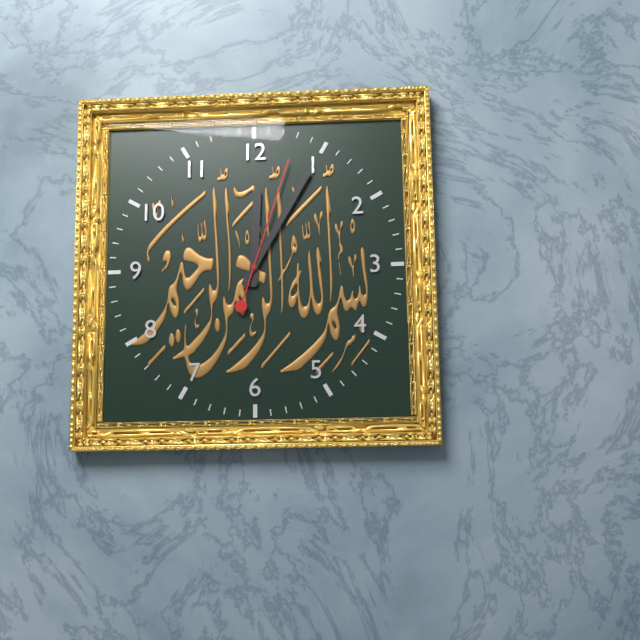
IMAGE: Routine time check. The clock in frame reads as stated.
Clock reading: 12:05:03
